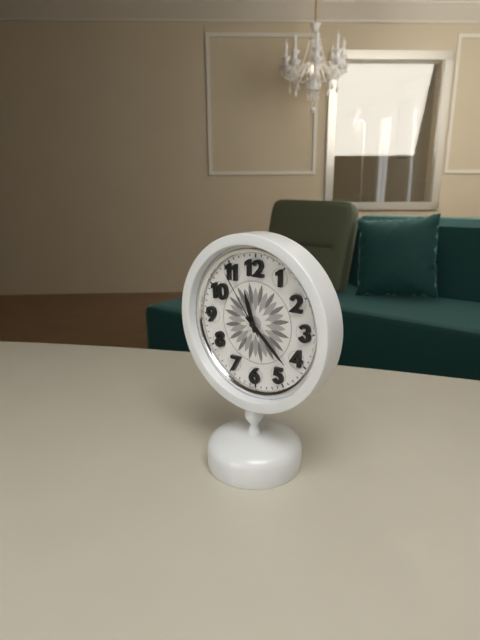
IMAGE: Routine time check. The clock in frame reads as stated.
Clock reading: 11:22:54
